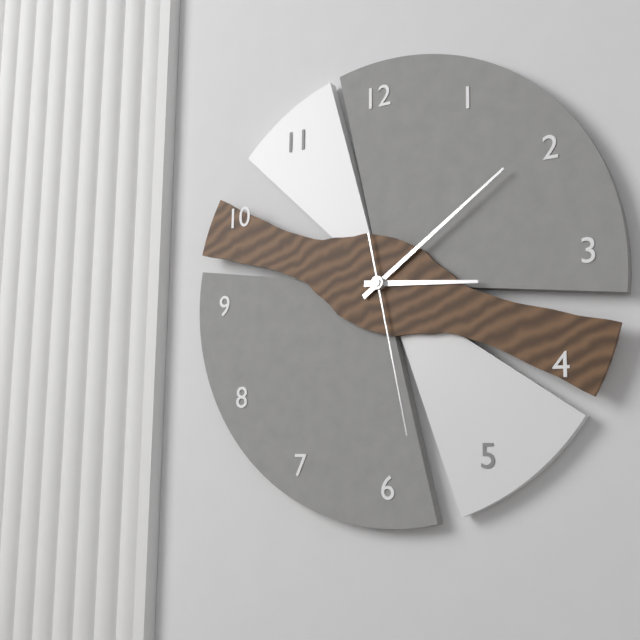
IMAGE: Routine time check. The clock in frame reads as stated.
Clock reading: 3:09:28
